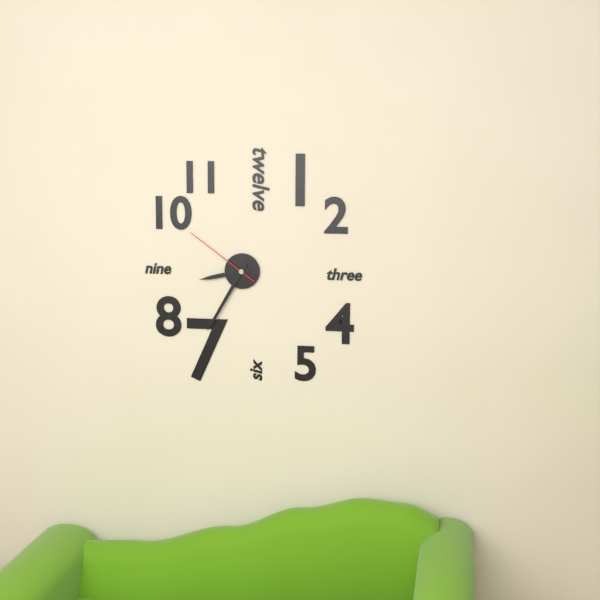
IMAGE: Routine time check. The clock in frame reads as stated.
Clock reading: 8:35:51
